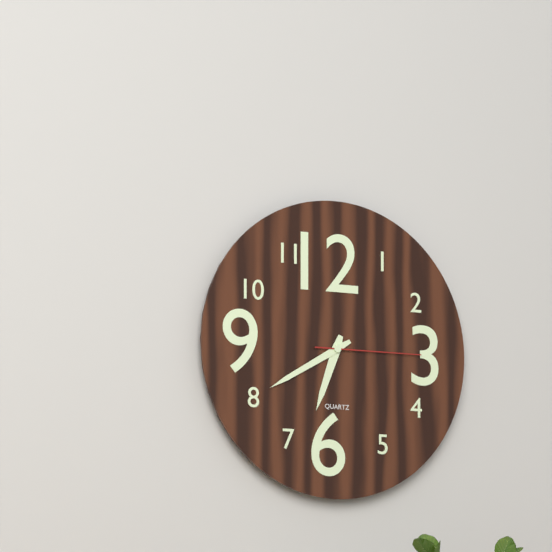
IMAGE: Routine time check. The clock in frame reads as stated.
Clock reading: 6:40:15
